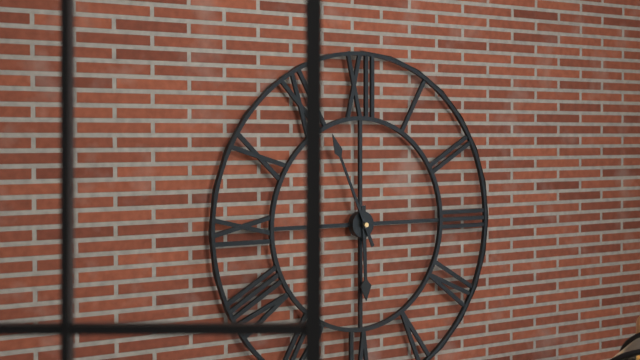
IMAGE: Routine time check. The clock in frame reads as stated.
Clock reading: 5:56
